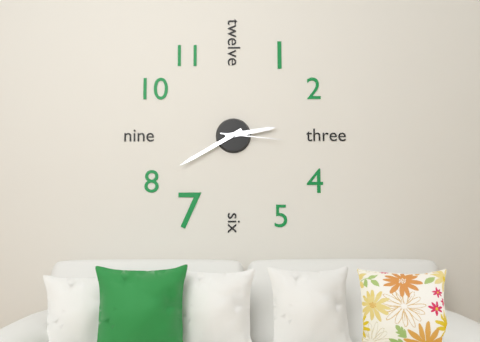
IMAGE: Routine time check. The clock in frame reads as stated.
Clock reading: 2:40:16
